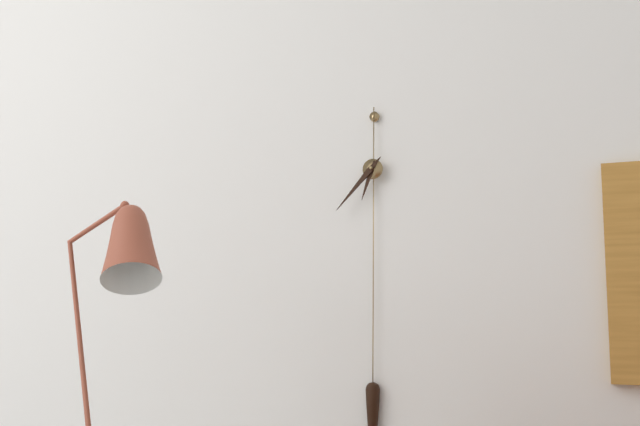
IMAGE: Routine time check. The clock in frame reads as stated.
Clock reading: 6:37
